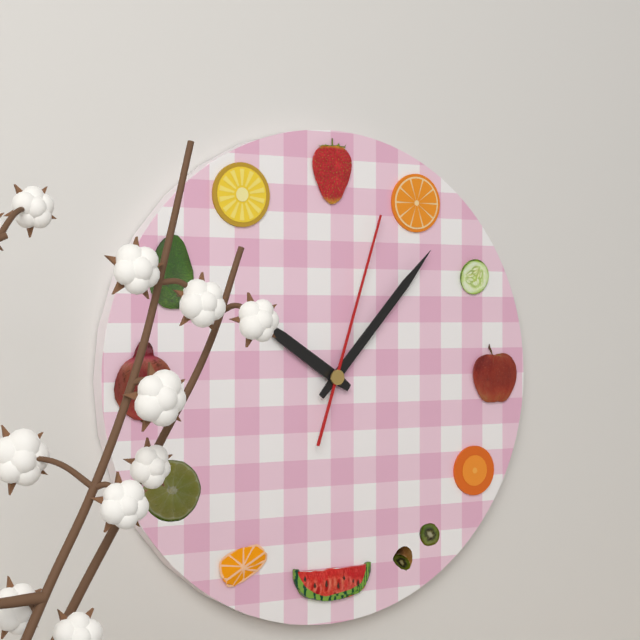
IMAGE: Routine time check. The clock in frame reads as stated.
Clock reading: 10:07:03
